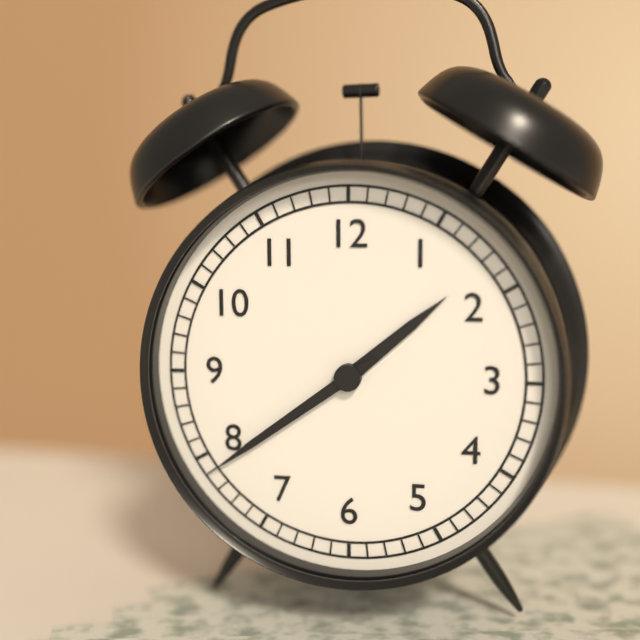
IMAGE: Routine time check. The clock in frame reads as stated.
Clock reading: 1:39
